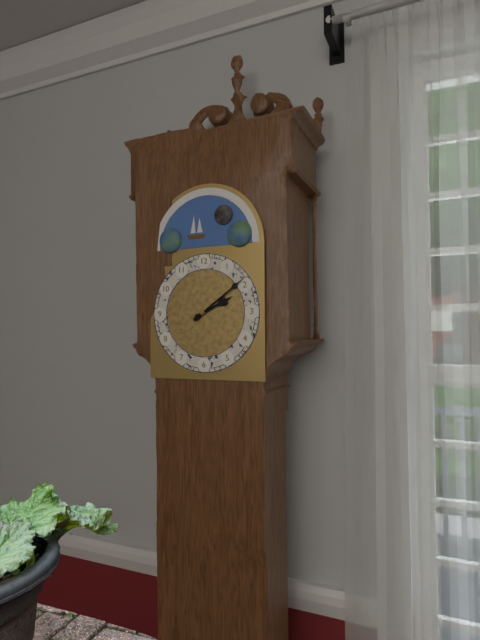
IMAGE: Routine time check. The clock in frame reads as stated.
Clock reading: 2:09
